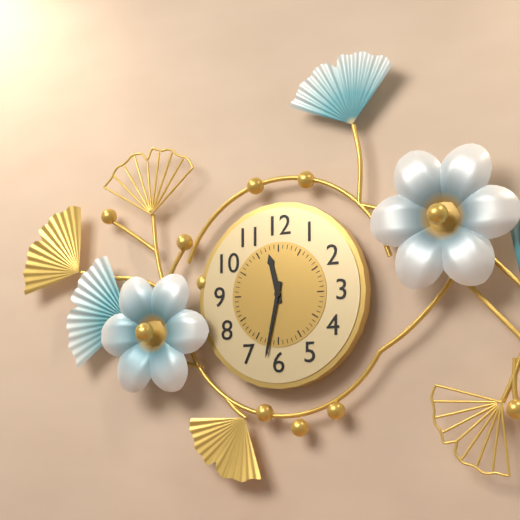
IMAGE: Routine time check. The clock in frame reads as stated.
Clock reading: 11:32
